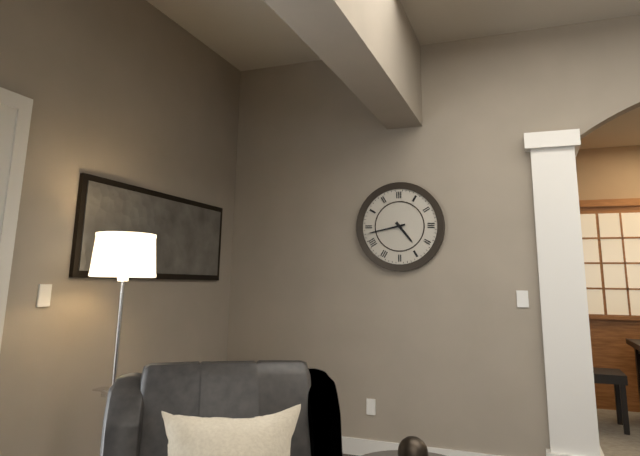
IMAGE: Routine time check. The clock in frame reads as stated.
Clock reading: 4:43
